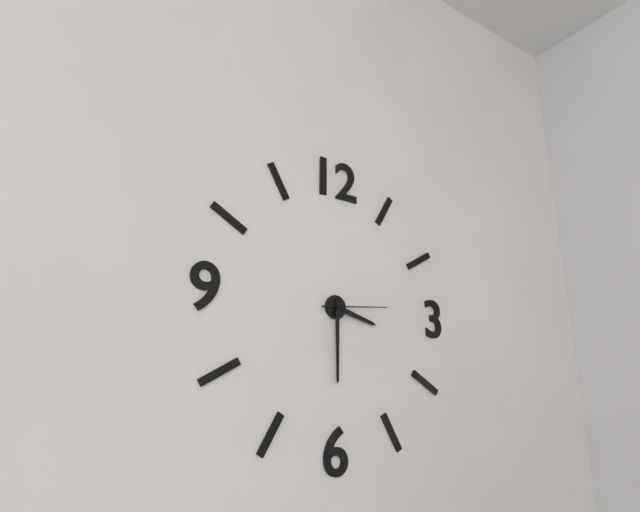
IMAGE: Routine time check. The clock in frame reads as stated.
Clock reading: 3:30:14
